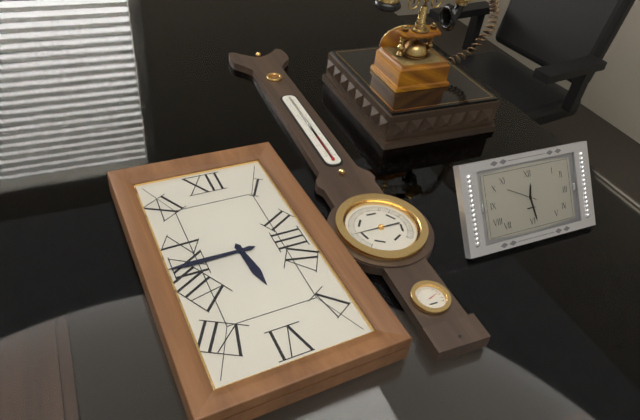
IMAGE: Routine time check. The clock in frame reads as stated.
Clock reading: 5:45
